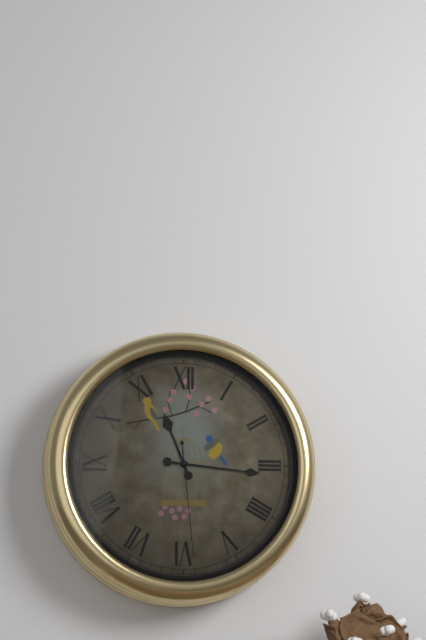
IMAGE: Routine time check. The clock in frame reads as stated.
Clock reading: 11:16:29
